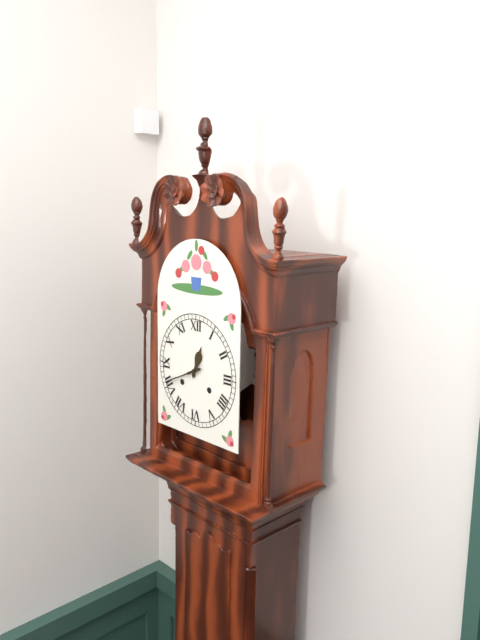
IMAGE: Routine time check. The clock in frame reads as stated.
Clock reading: 12:41
